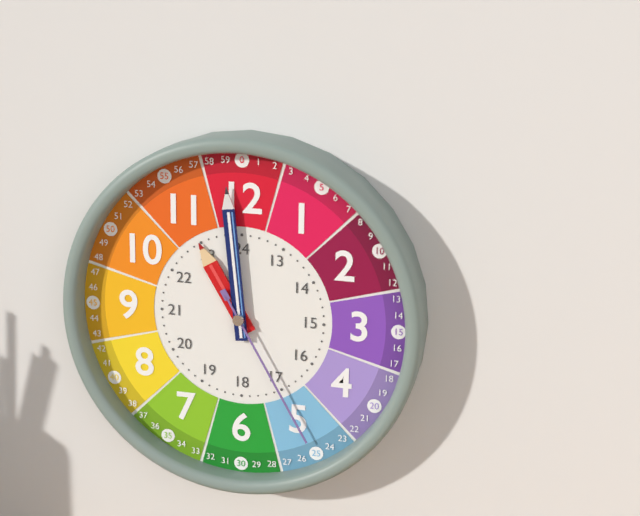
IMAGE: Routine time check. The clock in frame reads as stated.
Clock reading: 10:59:25
